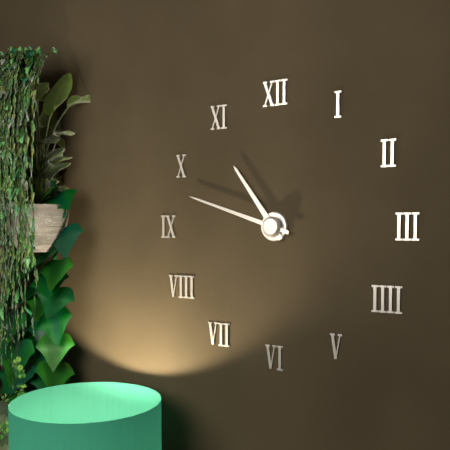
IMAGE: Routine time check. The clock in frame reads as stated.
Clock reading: 10:48
